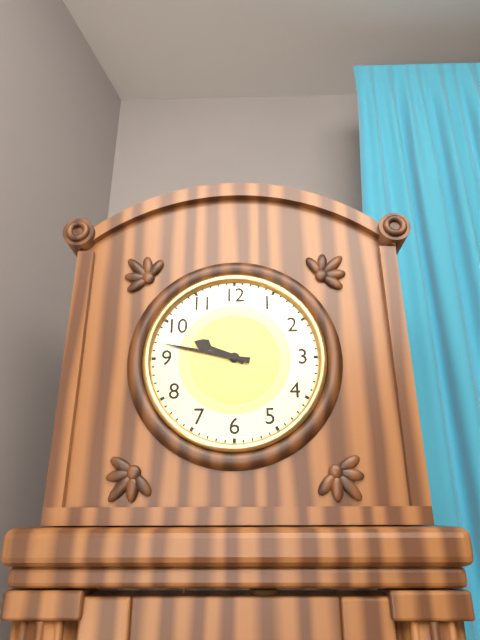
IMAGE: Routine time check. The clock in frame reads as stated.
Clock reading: 9:47
